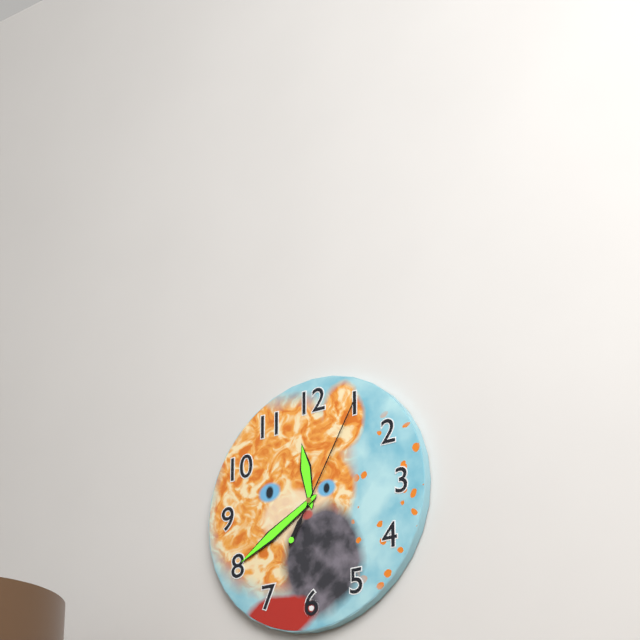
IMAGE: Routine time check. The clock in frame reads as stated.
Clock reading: 11:40:05
